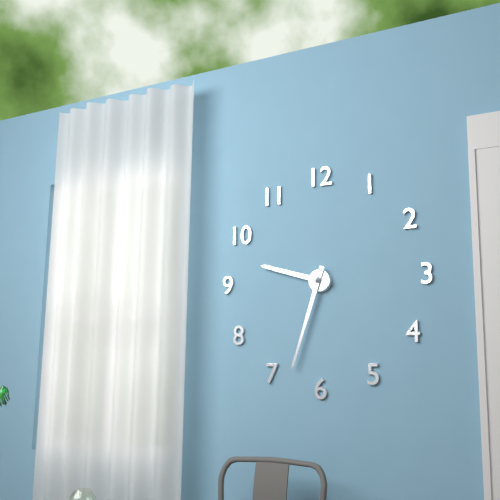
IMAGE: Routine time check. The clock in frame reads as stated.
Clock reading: 9:33
